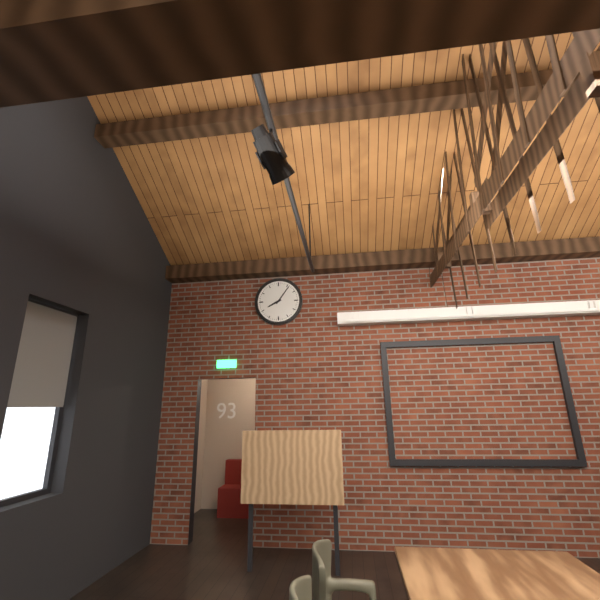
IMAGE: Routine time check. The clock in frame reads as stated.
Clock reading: 8:06
